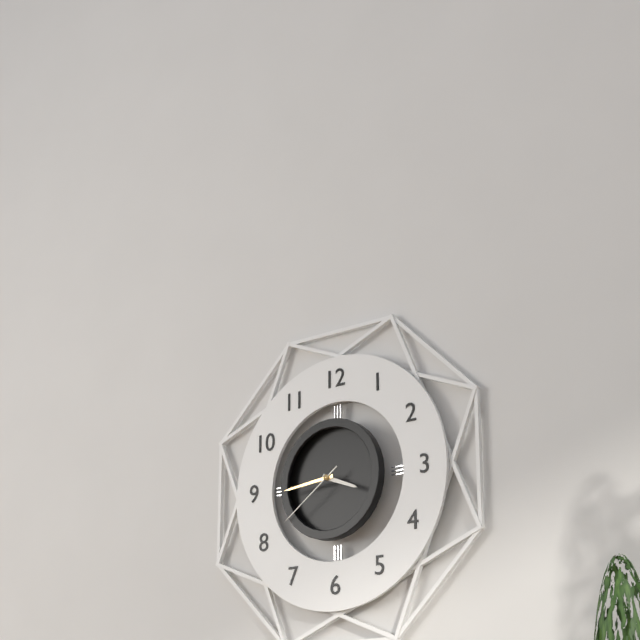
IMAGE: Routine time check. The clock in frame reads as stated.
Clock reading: 3:44:39
